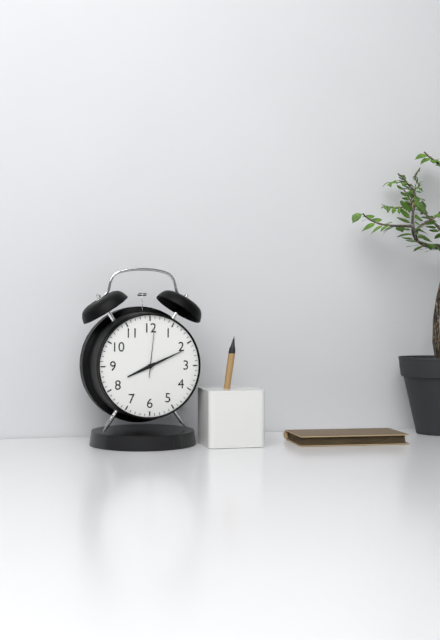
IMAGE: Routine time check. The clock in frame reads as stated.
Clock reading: 8:11:01
